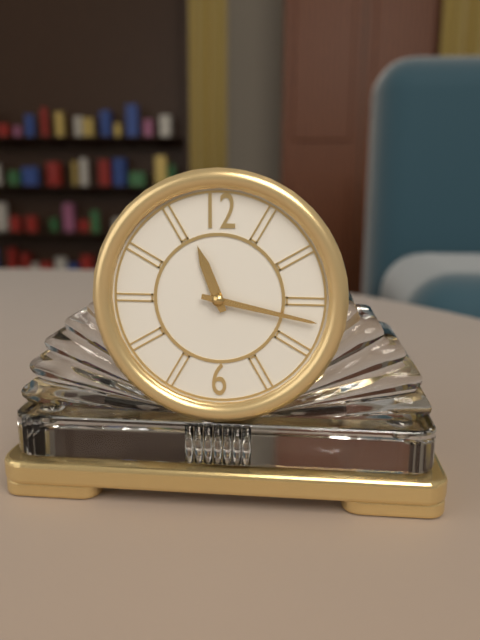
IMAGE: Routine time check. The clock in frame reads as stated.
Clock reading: 11:17
